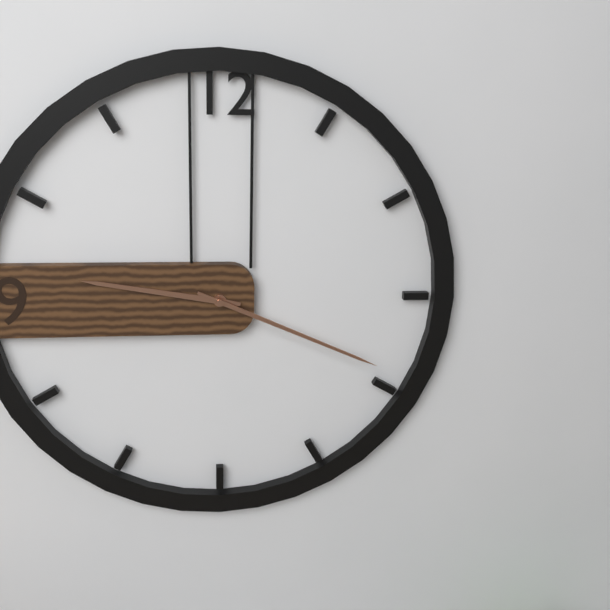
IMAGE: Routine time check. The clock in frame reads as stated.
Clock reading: 9:19
